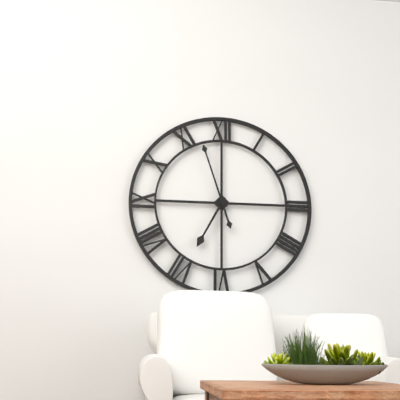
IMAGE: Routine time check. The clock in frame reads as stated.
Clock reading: 6:57
